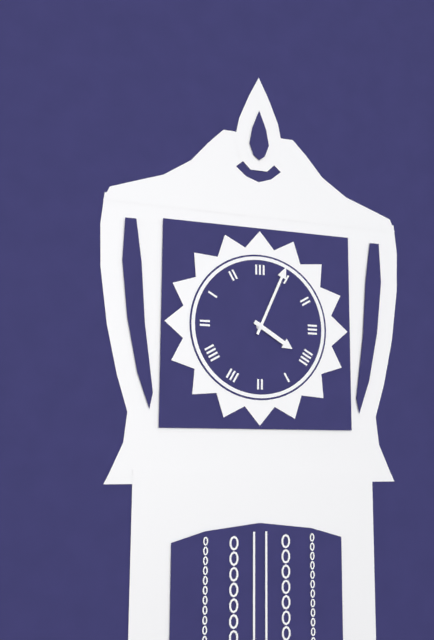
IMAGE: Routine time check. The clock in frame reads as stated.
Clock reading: 4:04
